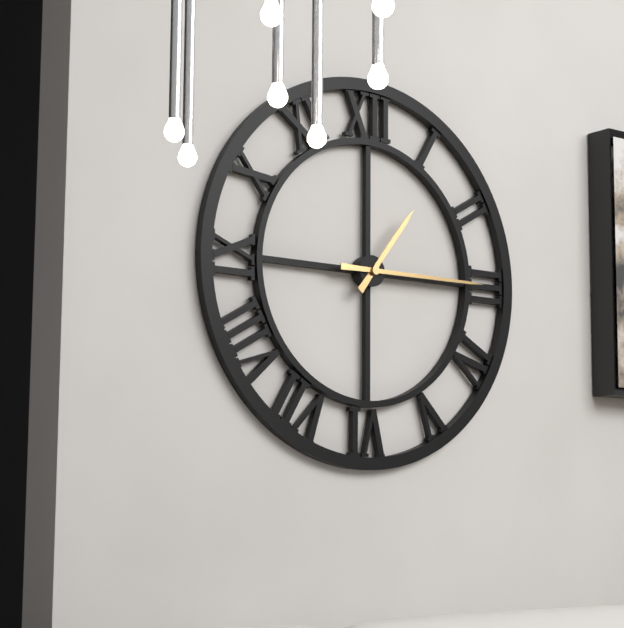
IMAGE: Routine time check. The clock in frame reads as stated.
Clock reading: 1:15
